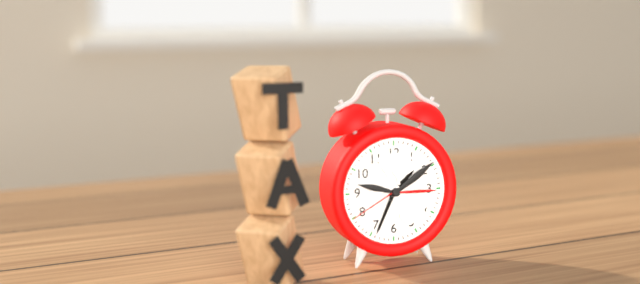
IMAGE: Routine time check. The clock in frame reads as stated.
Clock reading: 1:34:40
